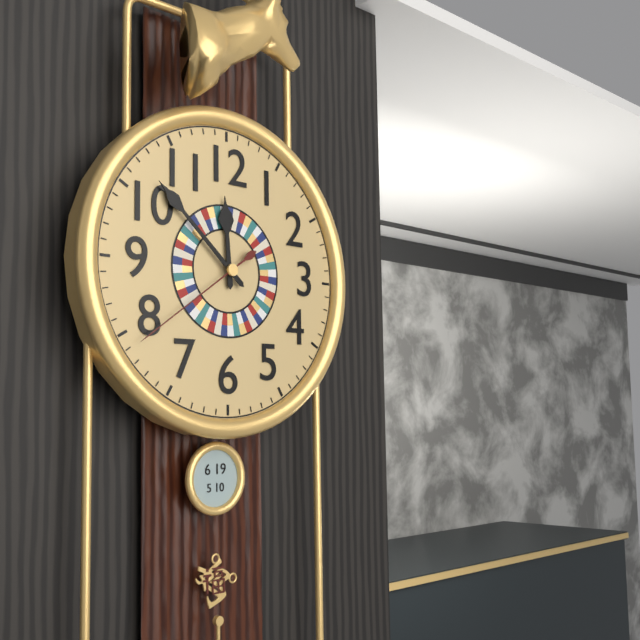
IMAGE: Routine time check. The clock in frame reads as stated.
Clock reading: 11:52:39
